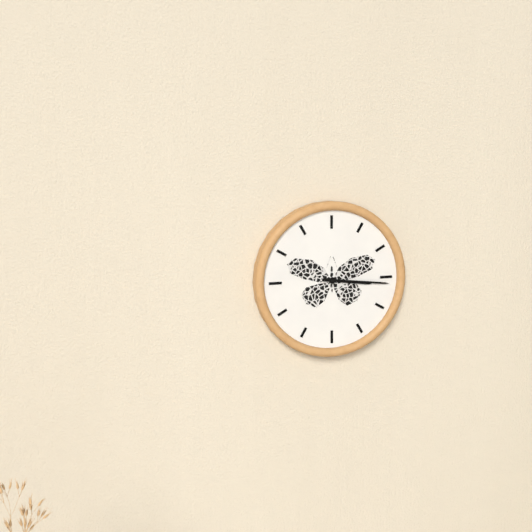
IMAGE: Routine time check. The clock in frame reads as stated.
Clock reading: 3:16
